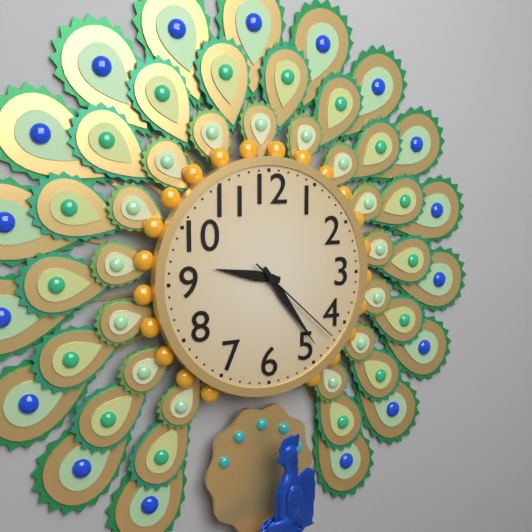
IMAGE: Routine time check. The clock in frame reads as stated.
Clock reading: 9:24:22
